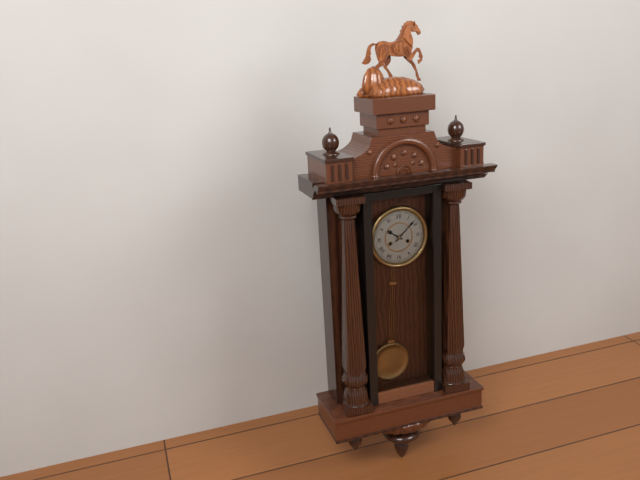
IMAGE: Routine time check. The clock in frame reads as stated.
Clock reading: 10:08
